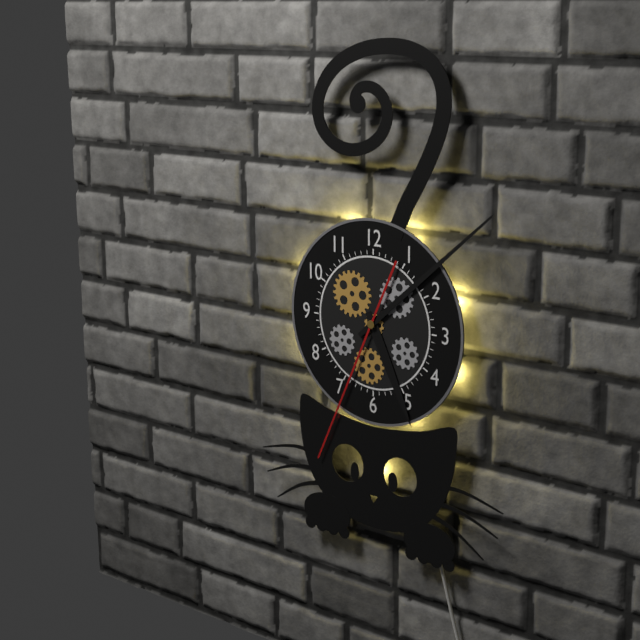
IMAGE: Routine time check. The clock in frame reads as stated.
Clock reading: 5:08:34
